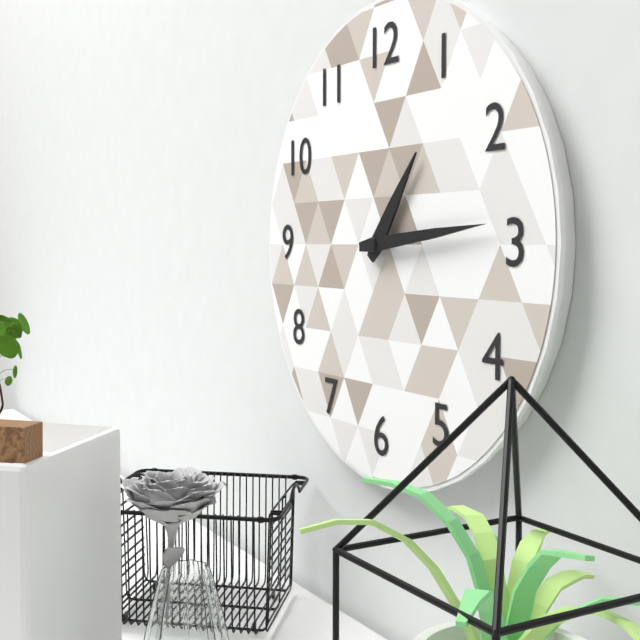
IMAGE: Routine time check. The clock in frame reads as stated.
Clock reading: 1:14
